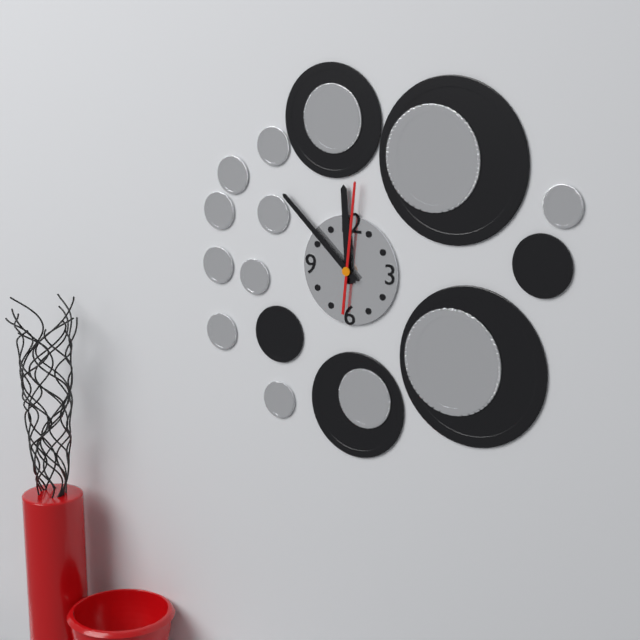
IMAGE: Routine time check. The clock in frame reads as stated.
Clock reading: 11:52:01
